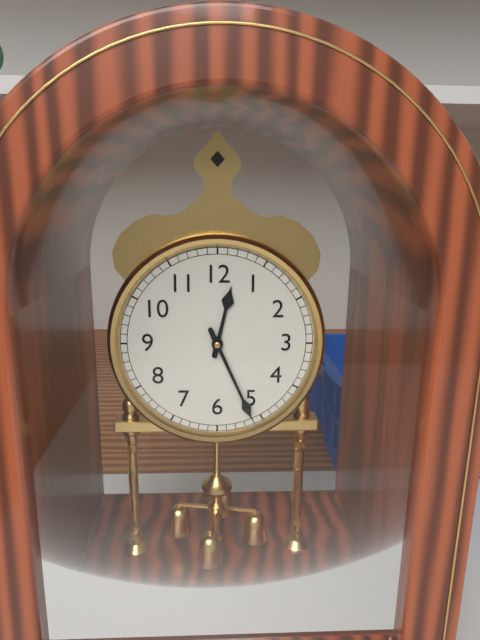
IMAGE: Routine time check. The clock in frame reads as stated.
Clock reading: 12:26
